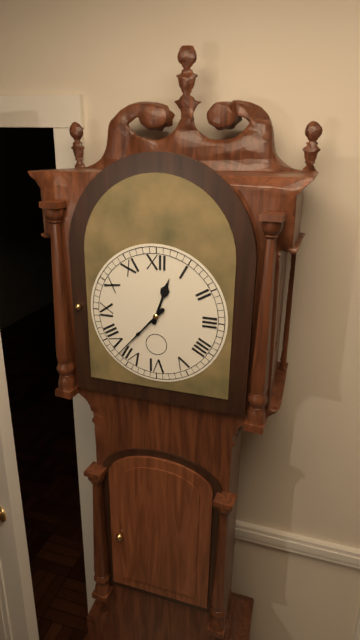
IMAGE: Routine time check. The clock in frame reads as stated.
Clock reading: 12:37
